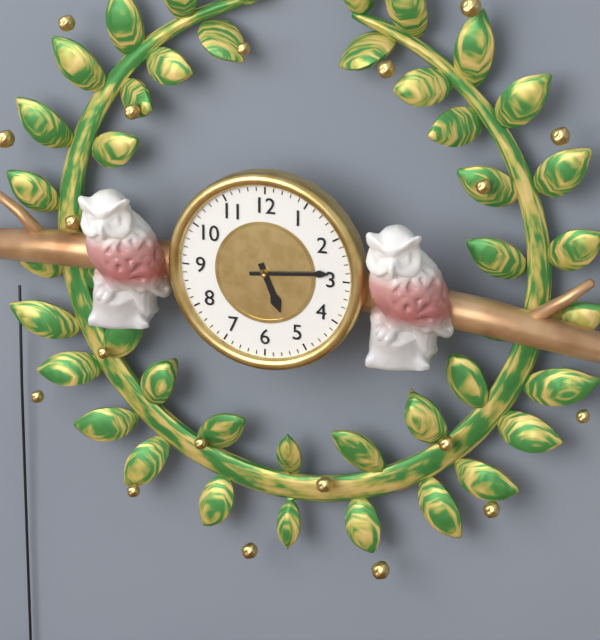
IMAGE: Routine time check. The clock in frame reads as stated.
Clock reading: 5:14
